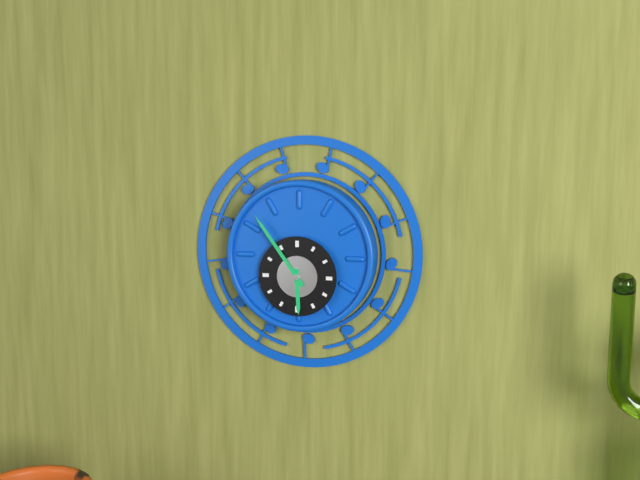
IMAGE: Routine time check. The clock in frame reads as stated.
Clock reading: 5:54
